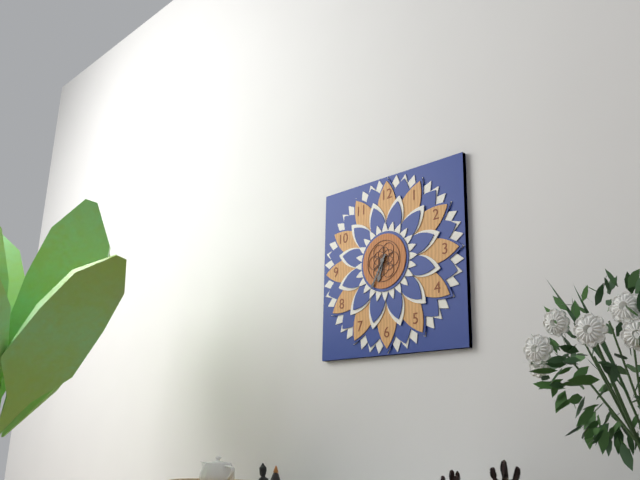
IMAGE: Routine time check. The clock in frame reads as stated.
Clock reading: 6:35
